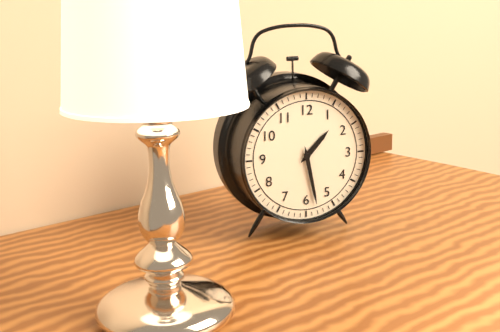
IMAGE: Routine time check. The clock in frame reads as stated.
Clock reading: 1:28
